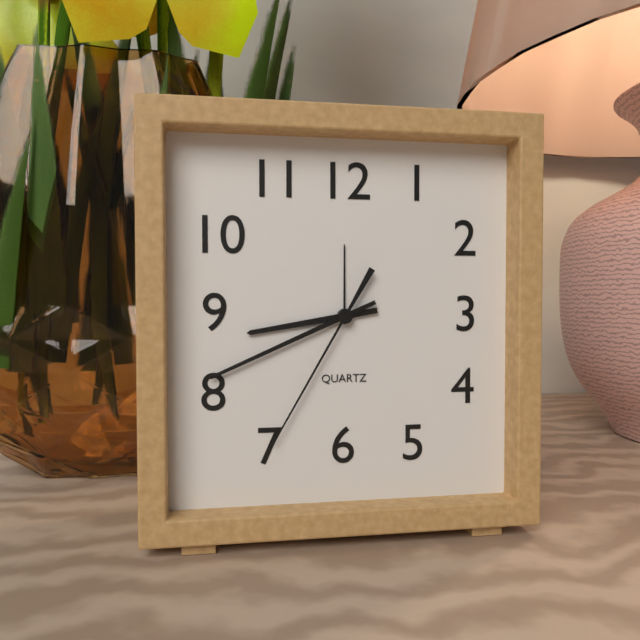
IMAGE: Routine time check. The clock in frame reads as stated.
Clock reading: 8:41:35
